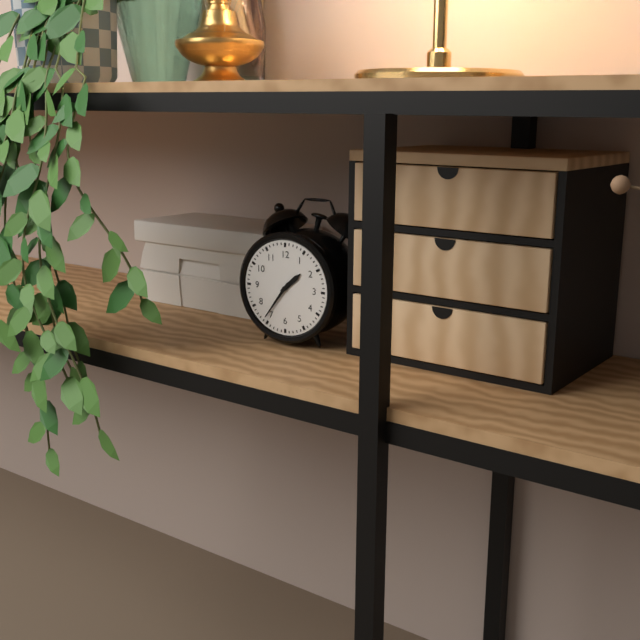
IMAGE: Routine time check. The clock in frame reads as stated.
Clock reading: 1:36
